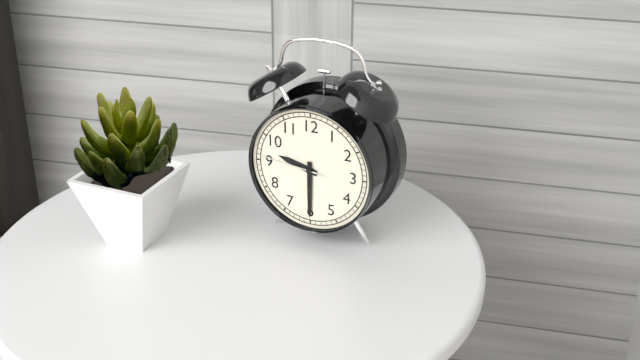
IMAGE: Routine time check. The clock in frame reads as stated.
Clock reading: 9:30:46
